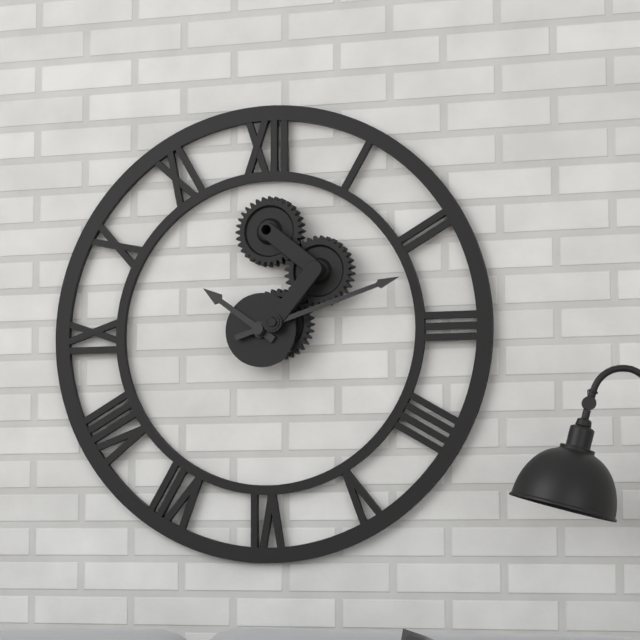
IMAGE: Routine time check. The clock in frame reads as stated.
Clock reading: 10:12
